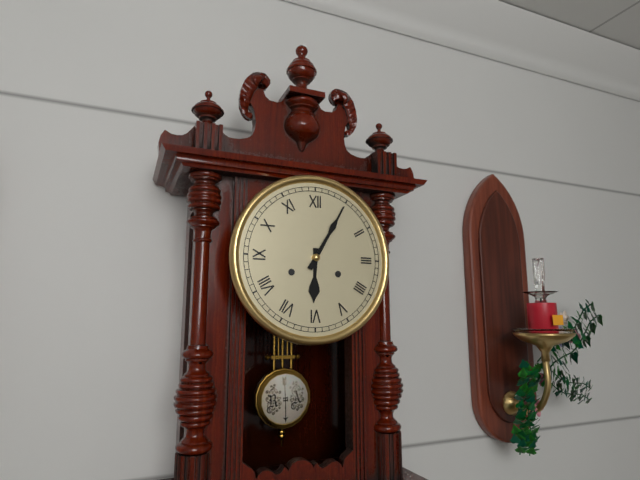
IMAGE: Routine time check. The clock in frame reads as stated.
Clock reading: 6:05
